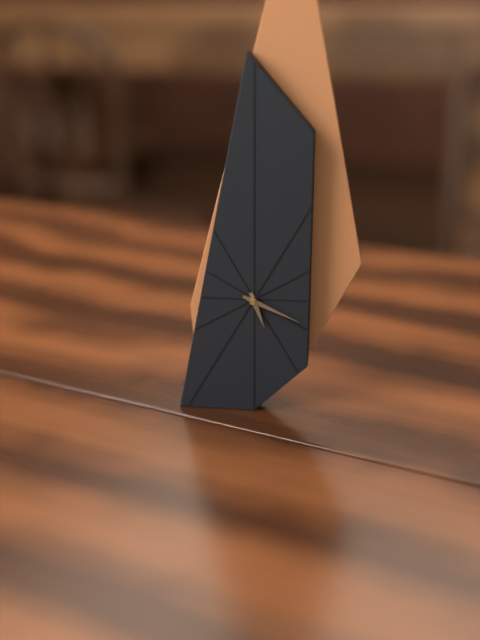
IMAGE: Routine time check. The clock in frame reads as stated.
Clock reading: 5:19
